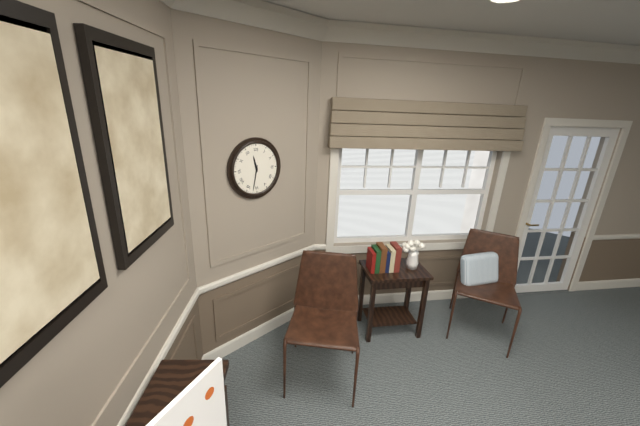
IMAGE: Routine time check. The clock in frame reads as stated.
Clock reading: 11:32
